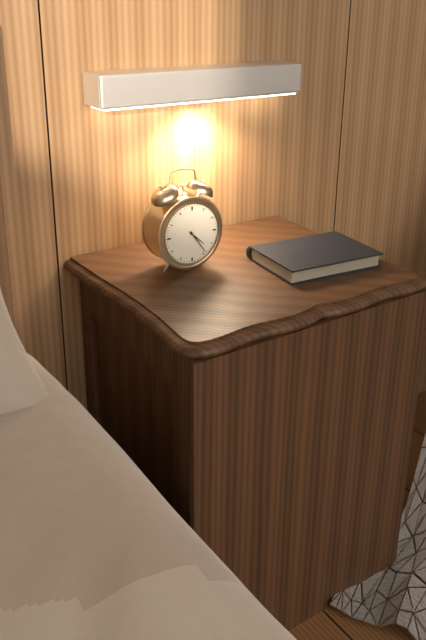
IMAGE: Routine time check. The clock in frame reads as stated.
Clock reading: 4:24
